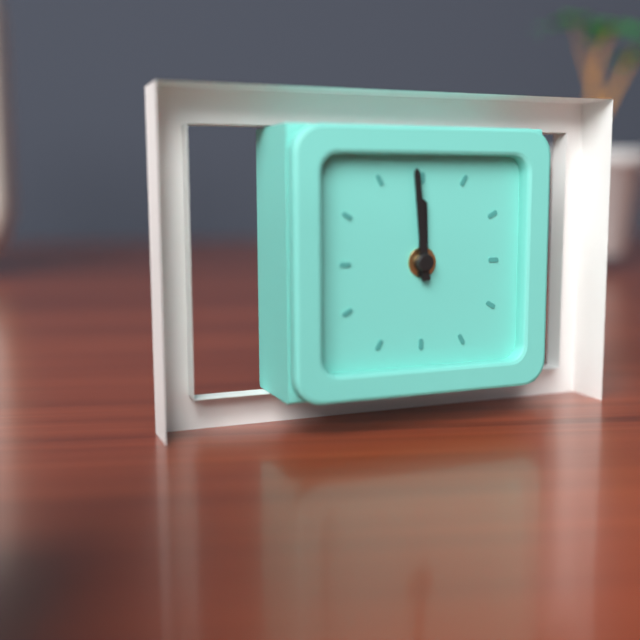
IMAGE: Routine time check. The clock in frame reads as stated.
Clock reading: 11:59
